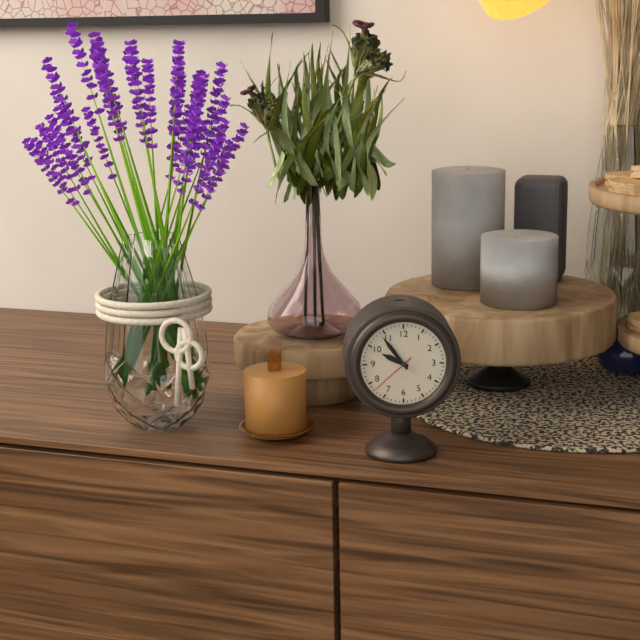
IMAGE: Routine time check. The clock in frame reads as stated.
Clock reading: 9:54
